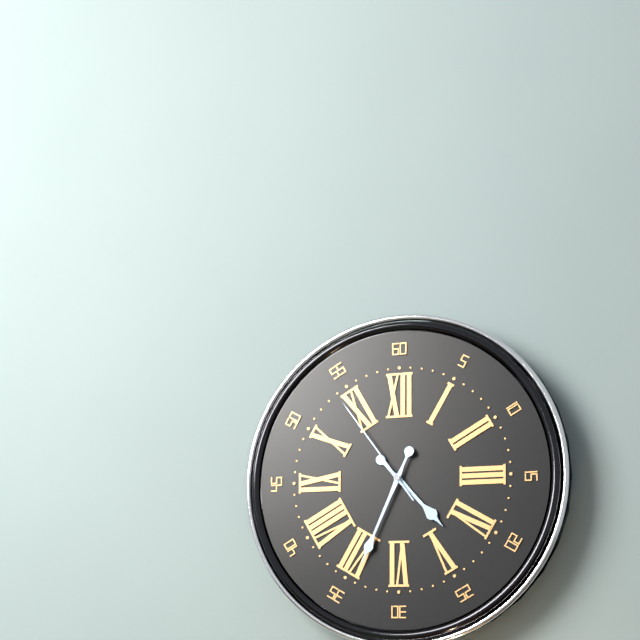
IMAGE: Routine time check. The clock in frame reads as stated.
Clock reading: 4:34:54
